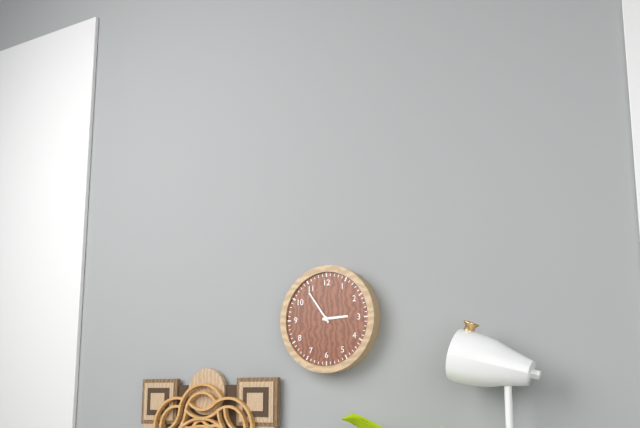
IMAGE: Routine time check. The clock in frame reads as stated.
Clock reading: 2:54
